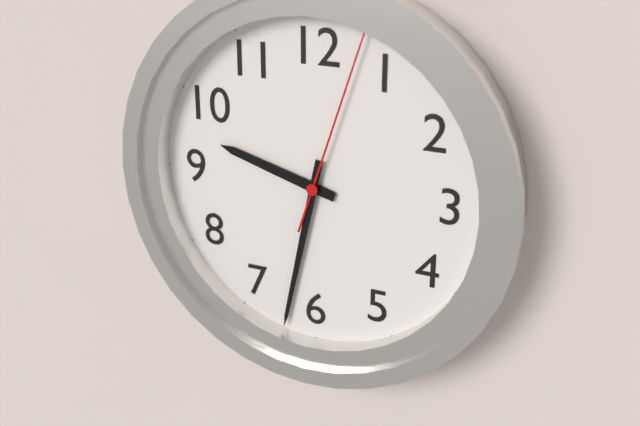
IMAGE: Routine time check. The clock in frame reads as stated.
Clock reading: 9:32:03
